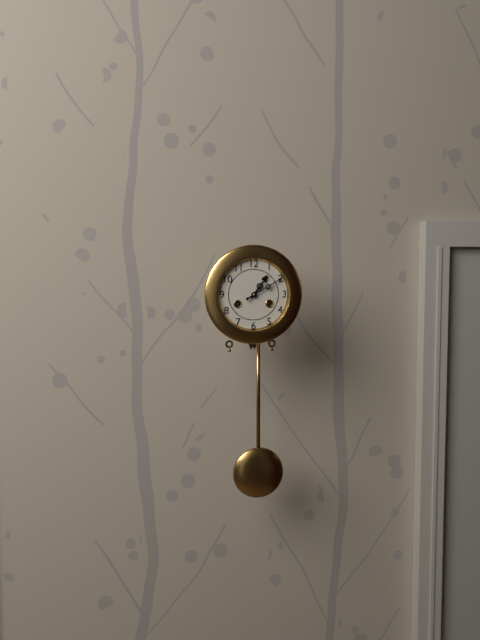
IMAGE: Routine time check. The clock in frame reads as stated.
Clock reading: 1:10
